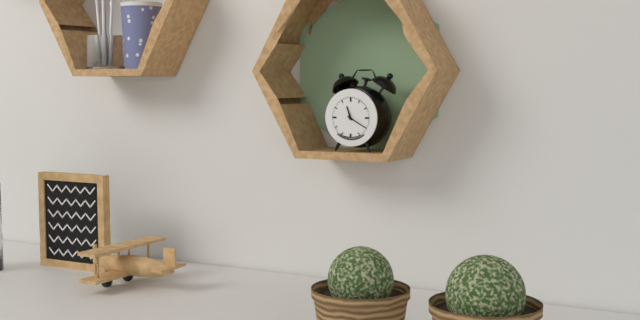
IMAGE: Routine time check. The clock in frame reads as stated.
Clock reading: 11:20
